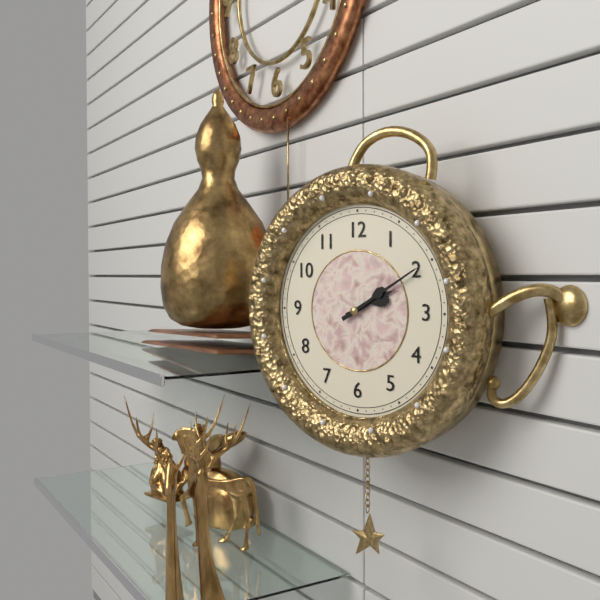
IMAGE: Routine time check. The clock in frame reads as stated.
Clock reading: 2:10
